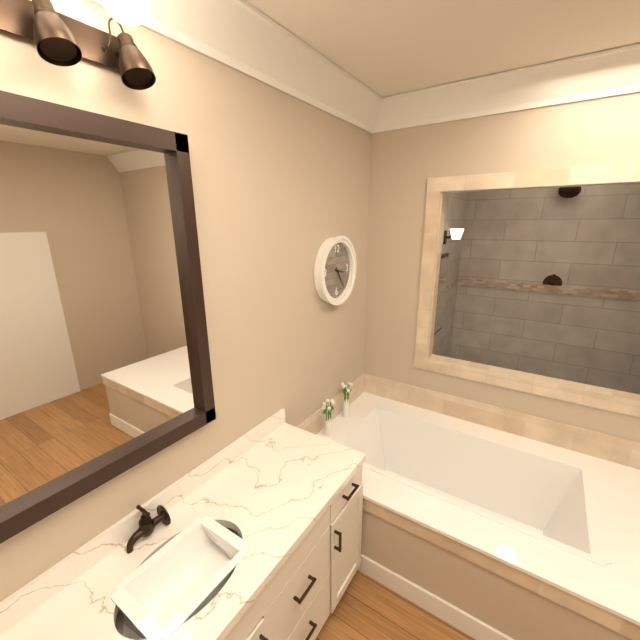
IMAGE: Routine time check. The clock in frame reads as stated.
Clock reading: 3:24
